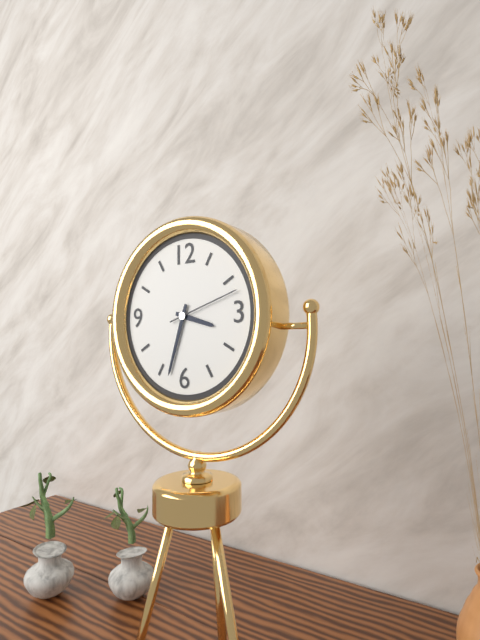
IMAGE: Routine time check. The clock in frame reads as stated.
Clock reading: 3:33:12
